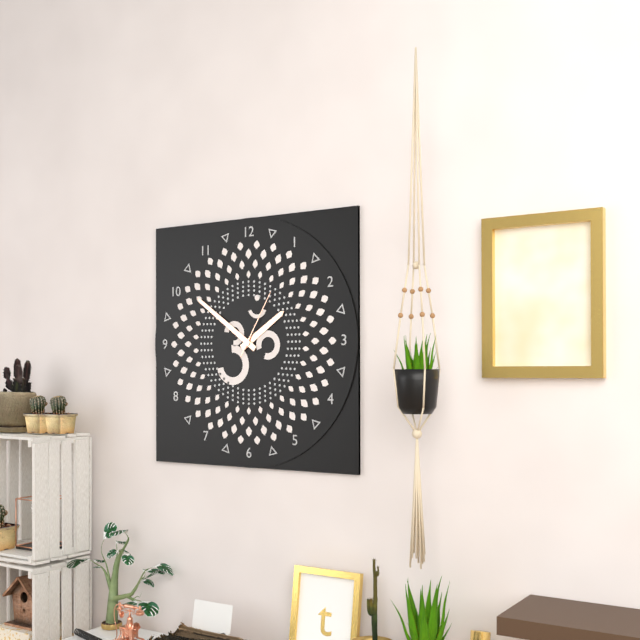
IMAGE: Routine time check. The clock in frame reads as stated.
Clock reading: 1:51:05
